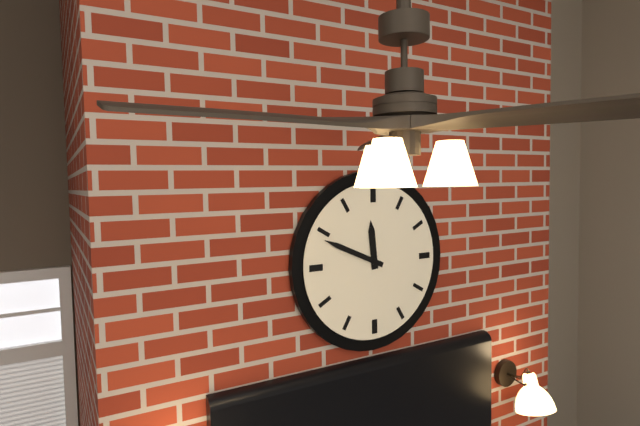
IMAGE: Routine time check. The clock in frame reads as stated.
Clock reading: 11:49
